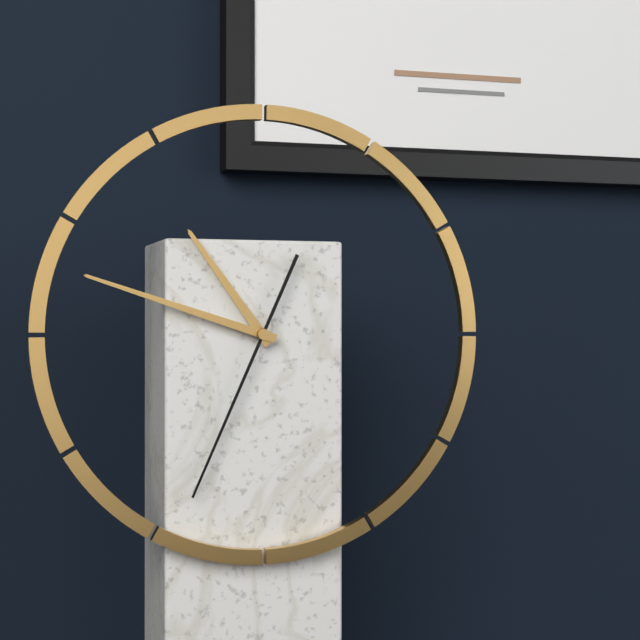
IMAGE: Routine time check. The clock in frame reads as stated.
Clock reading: 10:48:34
